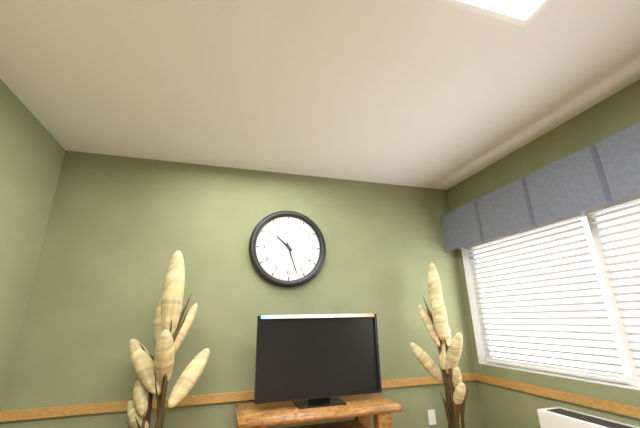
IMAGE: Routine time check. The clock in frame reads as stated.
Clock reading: 10:27
